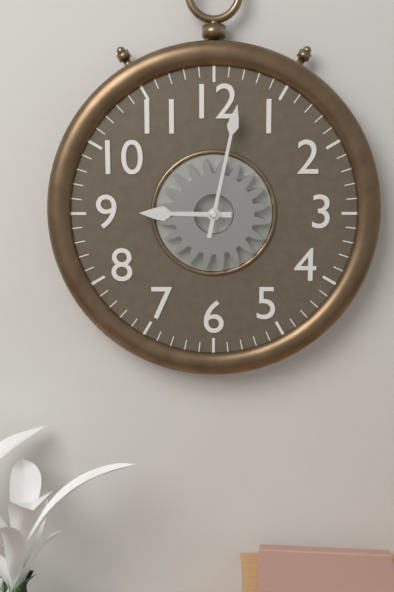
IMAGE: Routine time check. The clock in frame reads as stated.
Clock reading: 9:02
